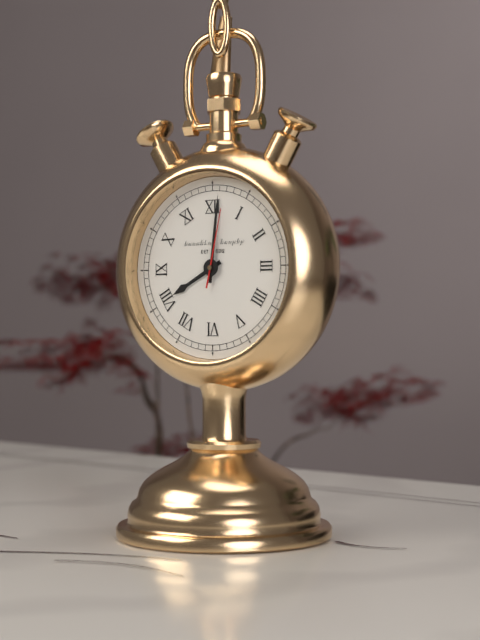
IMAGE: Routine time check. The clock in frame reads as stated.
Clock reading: 8:01:02
